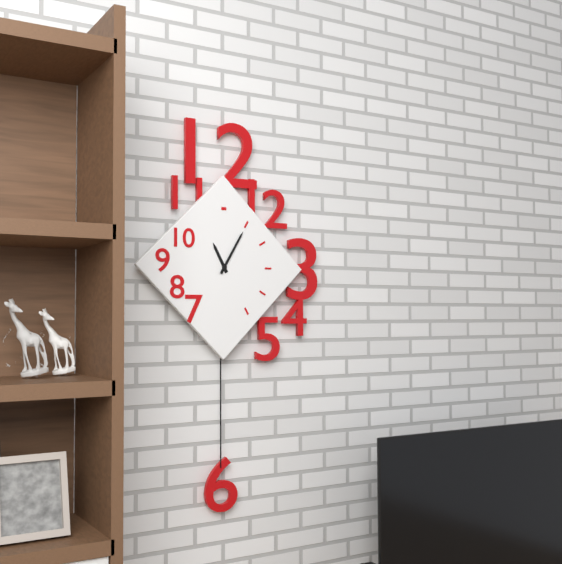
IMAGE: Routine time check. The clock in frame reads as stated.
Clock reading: 11:05
